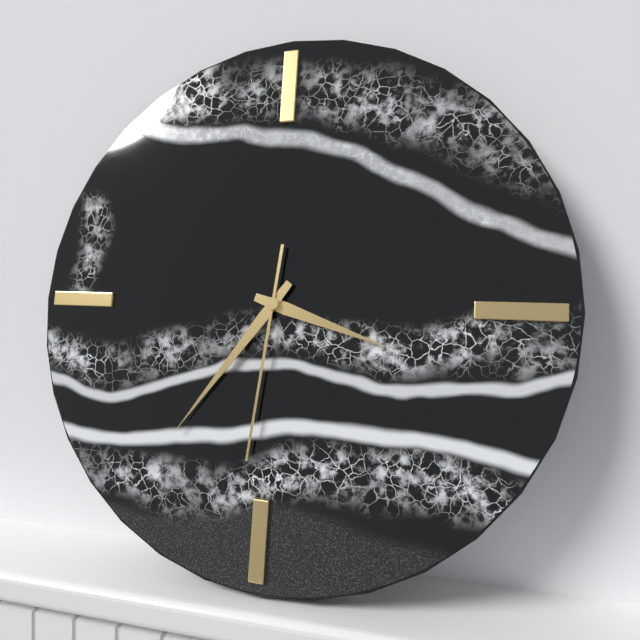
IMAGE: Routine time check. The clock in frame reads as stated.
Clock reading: 3:36:31
